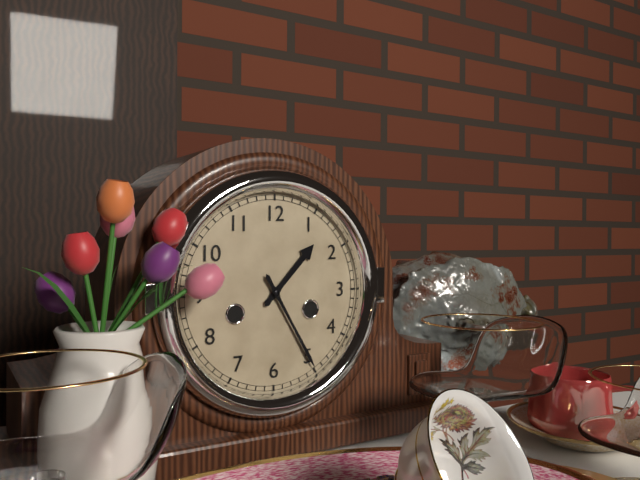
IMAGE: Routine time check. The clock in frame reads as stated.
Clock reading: 1:25
